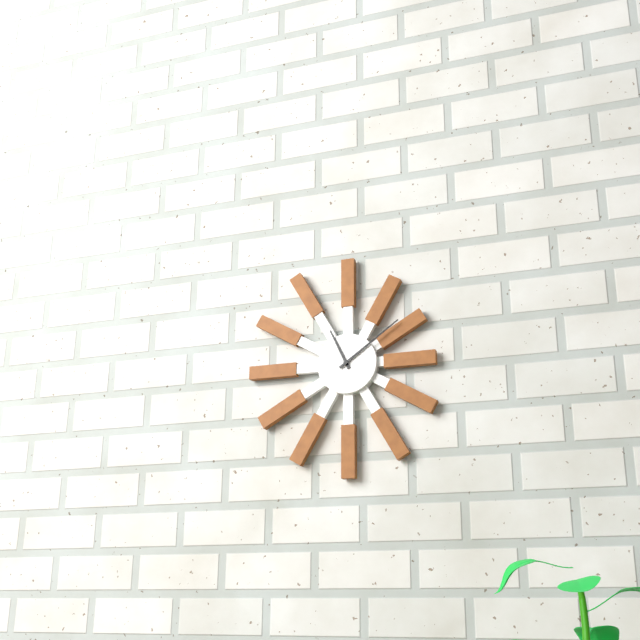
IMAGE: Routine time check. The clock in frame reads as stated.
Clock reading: 11:09
